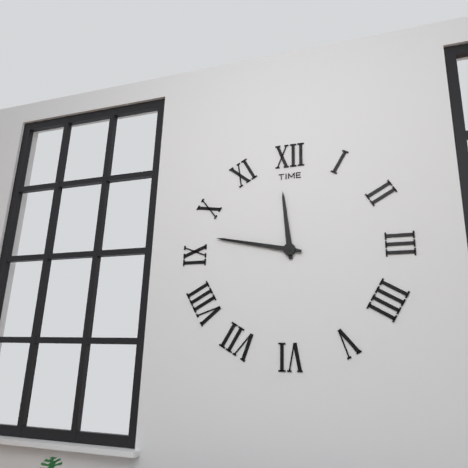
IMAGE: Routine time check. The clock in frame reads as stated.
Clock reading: 11:47
